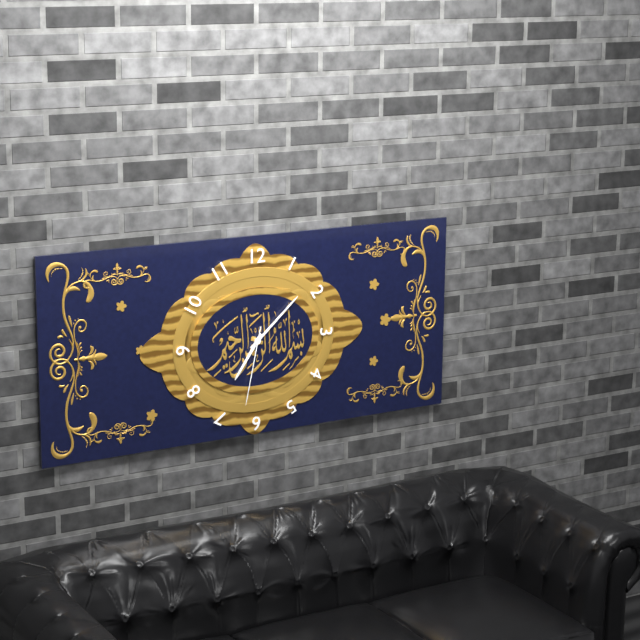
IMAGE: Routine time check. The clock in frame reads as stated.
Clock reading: 7:08:32
